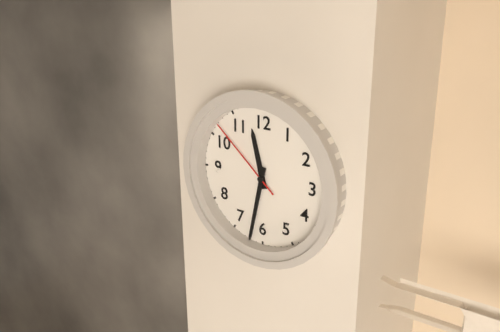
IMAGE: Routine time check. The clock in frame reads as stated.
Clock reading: 11:32:52
